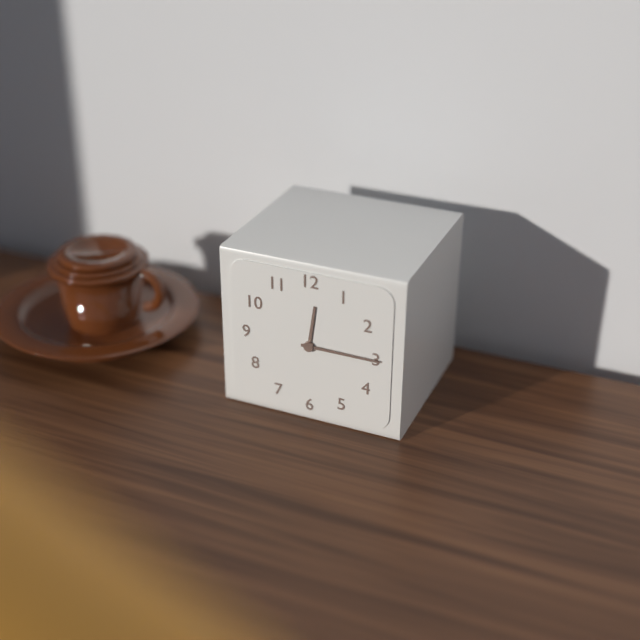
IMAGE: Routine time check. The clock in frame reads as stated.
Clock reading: 12:15
